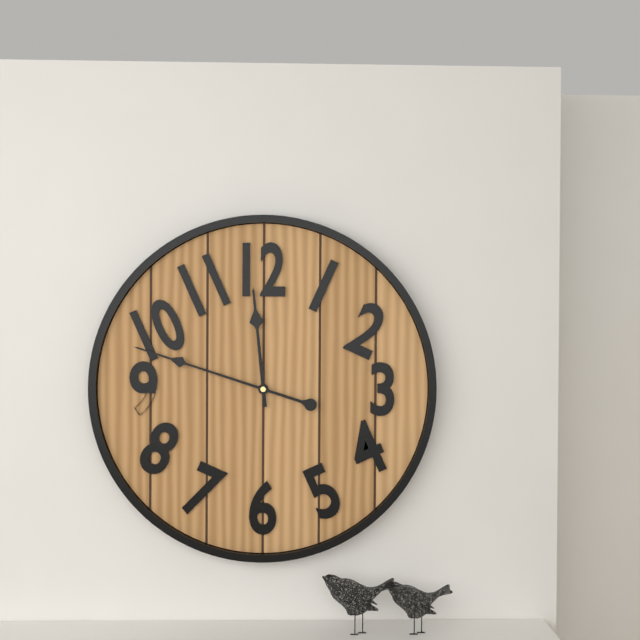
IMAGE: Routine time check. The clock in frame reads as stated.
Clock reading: 11:48
